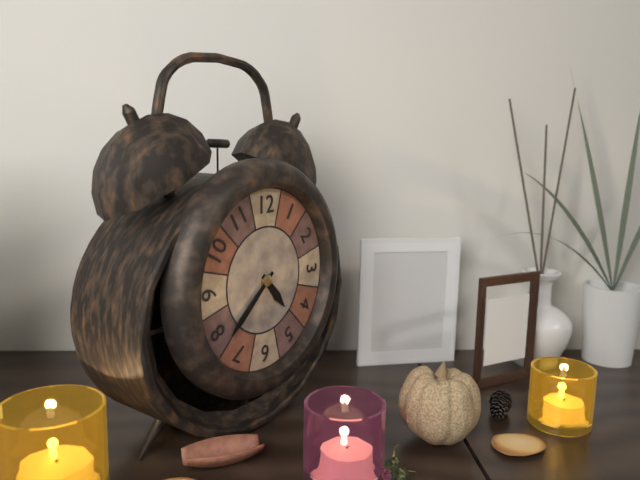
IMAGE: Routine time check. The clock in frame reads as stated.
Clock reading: 4:38
